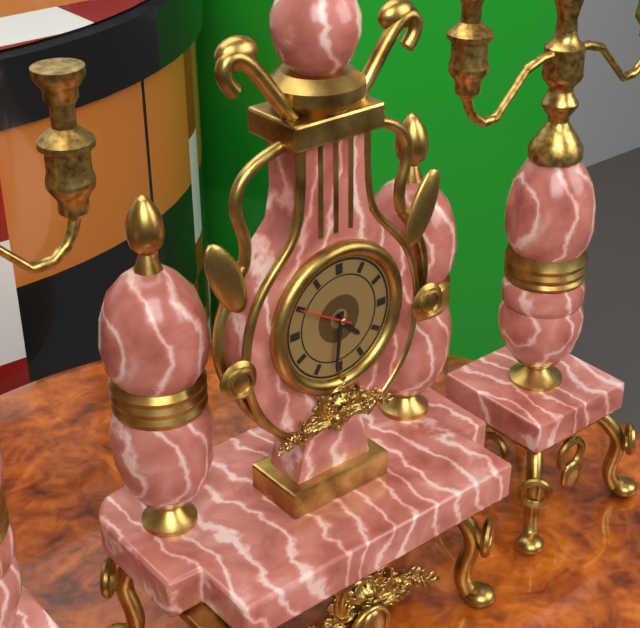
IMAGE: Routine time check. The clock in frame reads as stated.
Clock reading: 4:31:50
